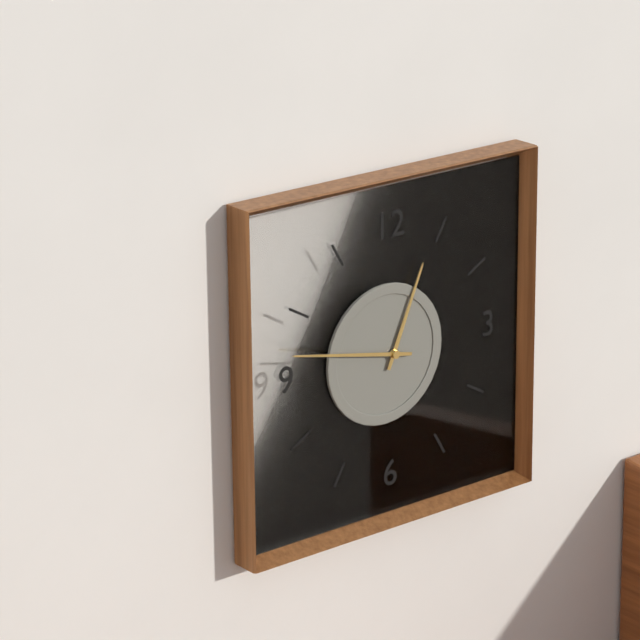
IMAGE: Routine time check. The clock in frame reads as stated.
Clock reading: 12:47
